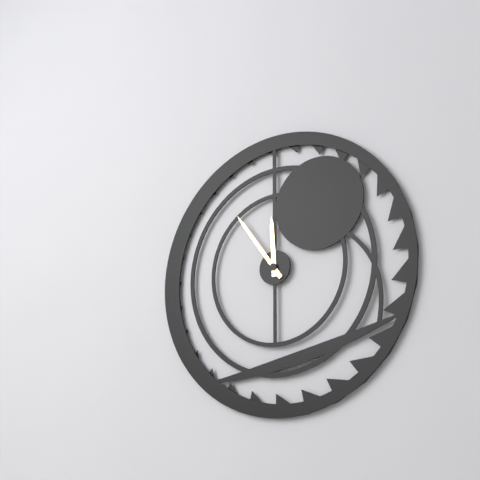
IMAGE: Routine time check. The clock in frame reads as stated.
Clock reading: 11:54
